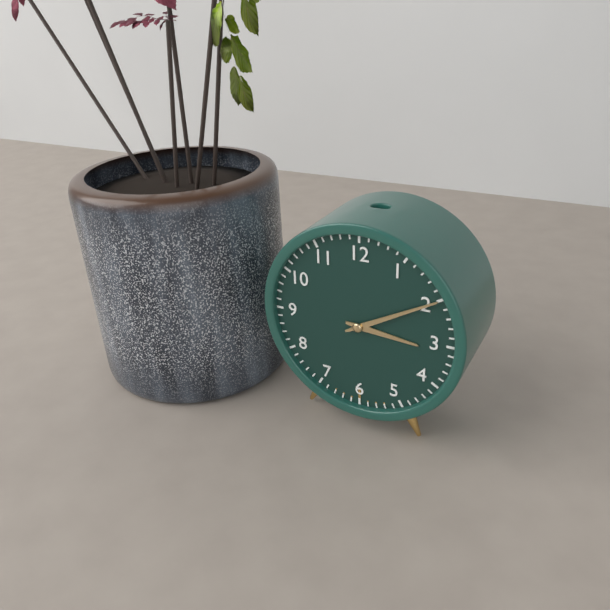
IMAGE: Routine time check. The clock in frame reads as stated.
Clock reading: 3:10
